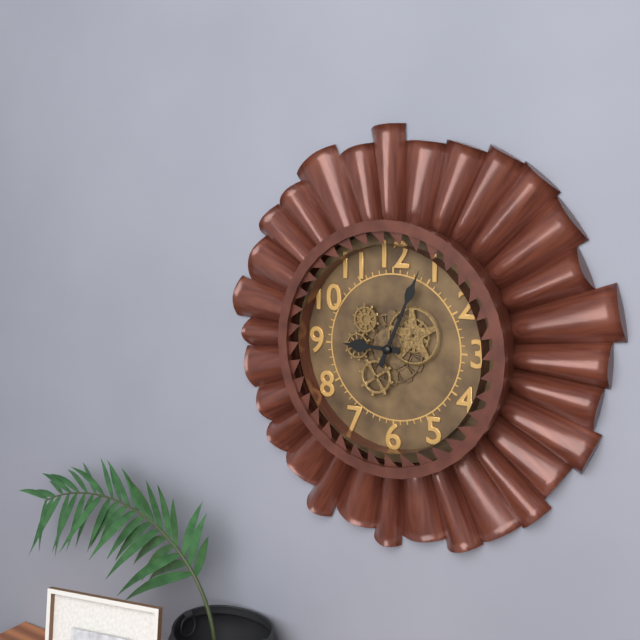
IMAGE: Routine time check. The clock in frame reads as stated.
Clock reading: 9:04
